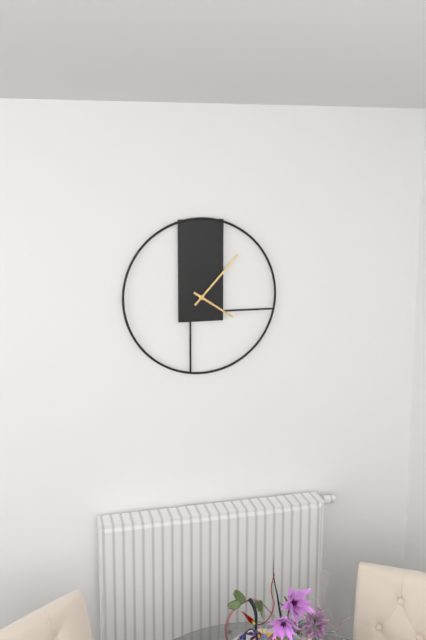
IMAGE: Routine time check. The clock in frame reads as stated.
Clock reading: 4:07
